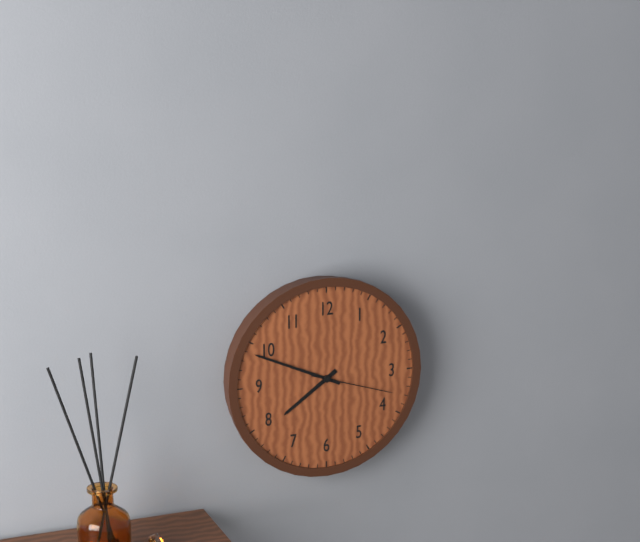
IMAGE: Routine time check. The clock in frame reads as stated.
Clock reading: 7:49:18
